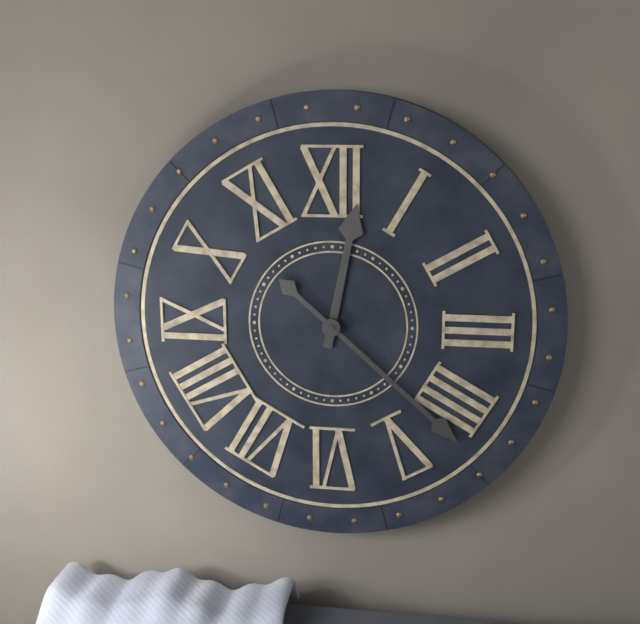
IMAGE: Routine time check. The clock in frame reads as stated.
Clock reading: 12:22
